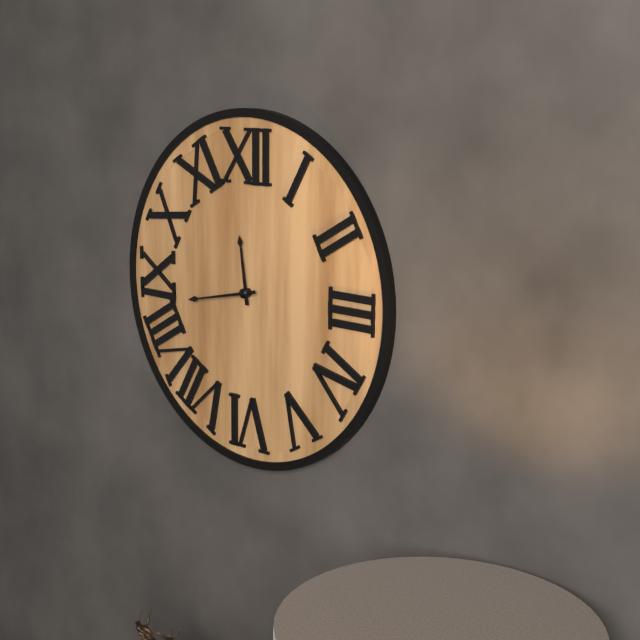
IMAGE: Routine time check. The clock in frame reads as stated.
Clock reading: 11:43
